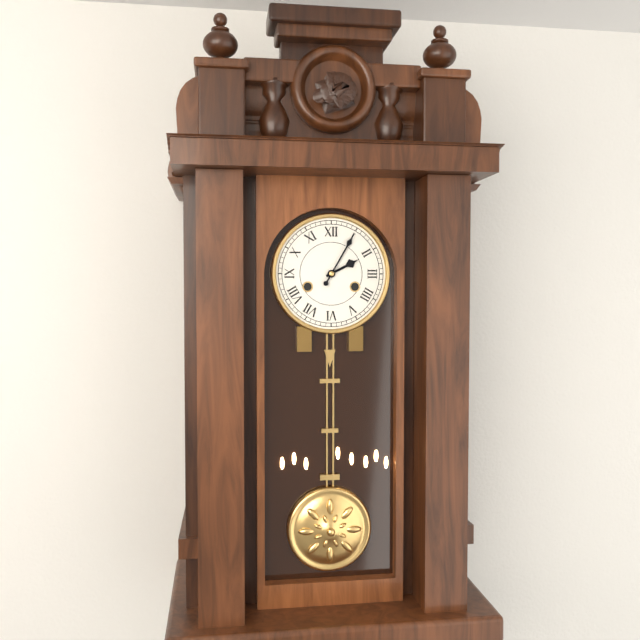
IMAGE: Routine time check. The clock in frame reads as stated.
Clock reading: 2:05
